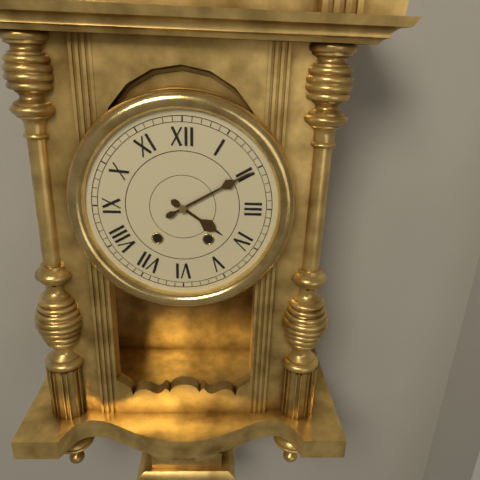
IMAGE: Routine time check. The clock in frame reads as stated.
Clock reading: 4:10
